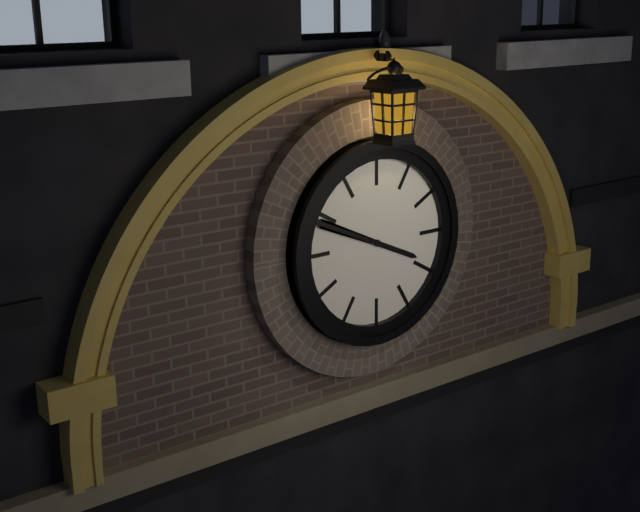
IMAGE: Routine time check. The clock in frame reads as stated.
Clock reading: 3:49
